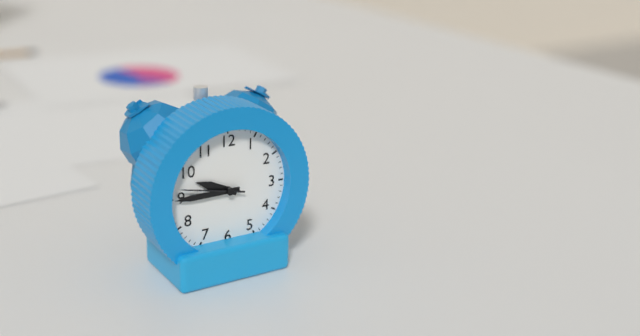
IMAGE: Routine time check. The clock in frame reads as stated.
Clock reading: 9:45:47
